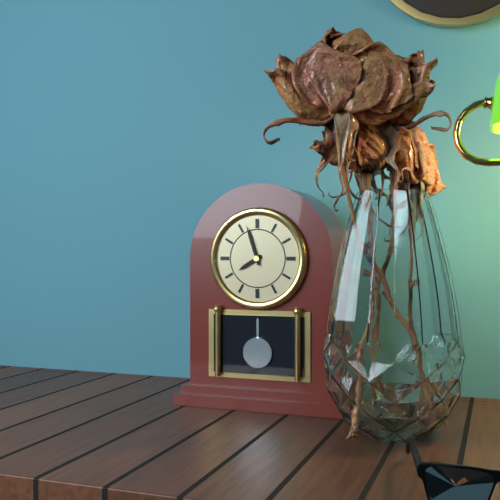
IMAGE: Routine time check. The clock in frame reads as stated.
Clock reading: 7:57
